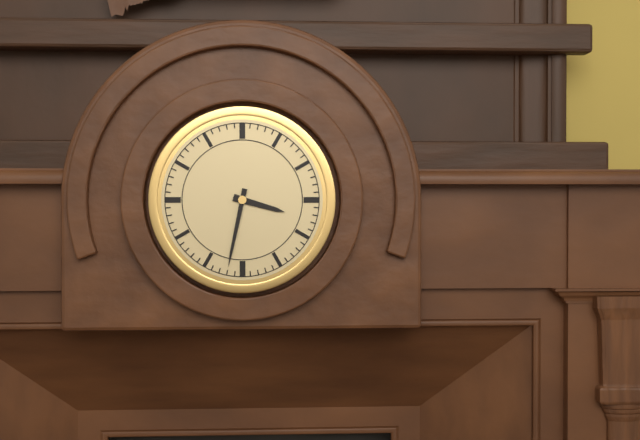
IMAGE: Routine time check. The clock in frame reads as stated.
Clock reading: 3:32
